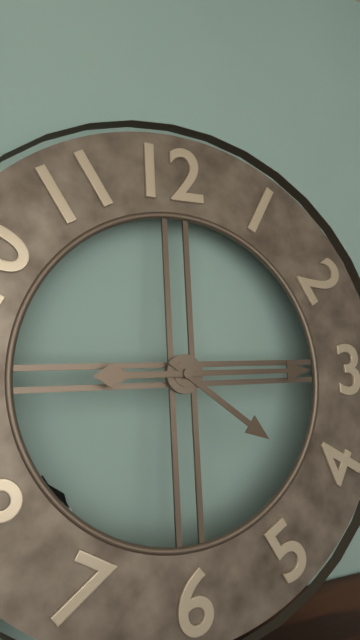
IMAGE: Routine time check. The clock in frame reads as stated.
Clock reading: 4:15
